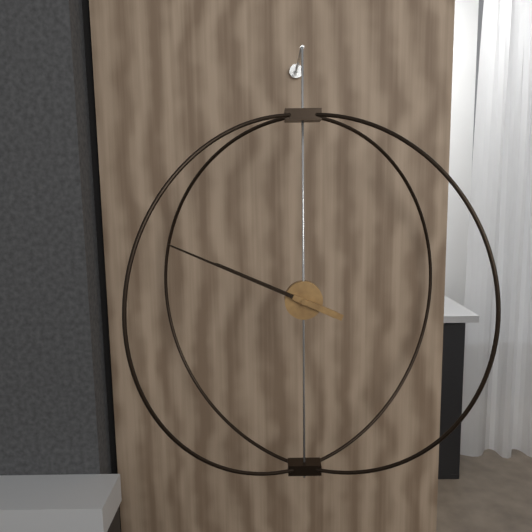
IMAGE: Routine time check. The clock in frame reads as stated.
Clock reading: 9:49
